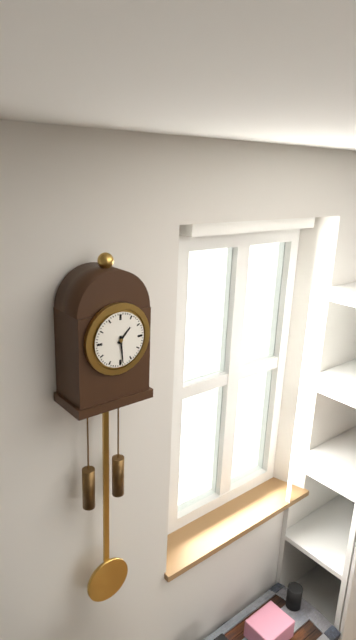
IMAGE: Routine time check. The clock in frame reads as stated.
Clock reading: 1:29
